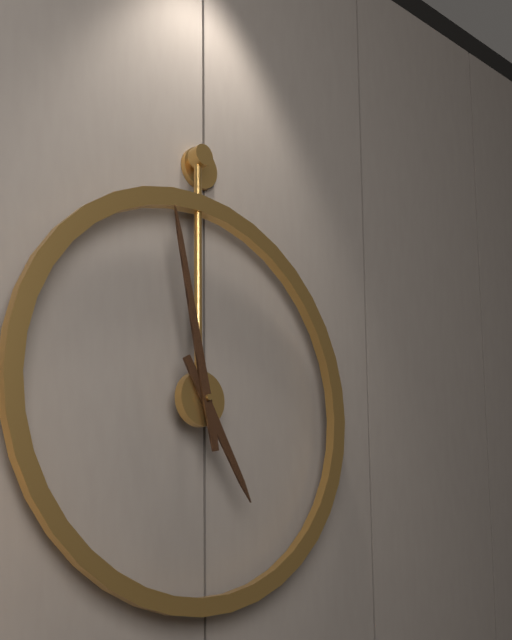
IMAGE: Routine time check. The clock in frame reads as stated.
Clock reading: 4:58
